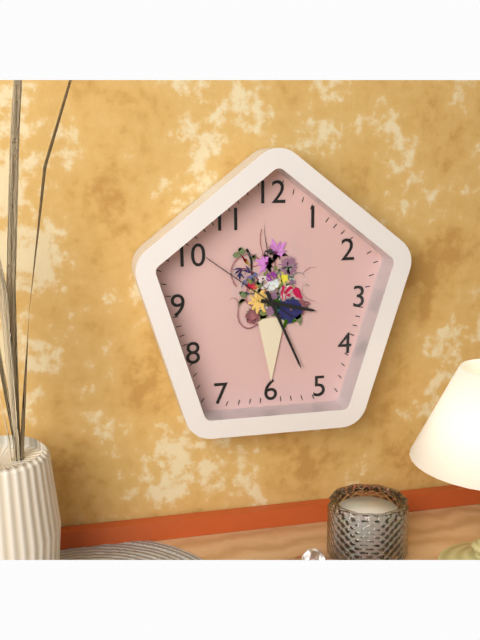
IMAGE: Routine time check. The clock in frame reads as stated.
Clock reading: 3:26:51
